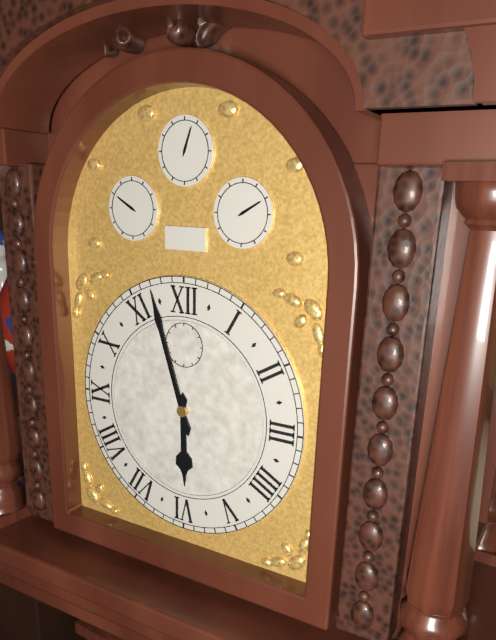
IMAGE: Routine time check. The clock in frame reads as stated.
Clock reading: 5:57
